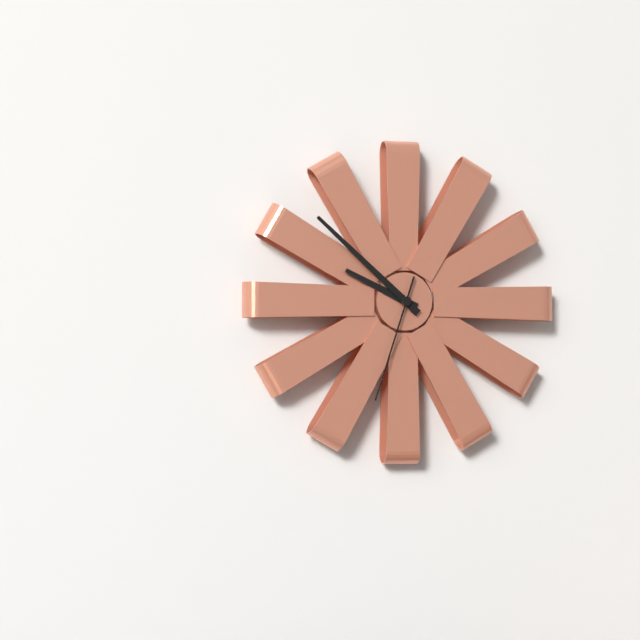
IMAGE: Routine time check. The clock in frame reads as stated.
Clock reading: 9:52:33
